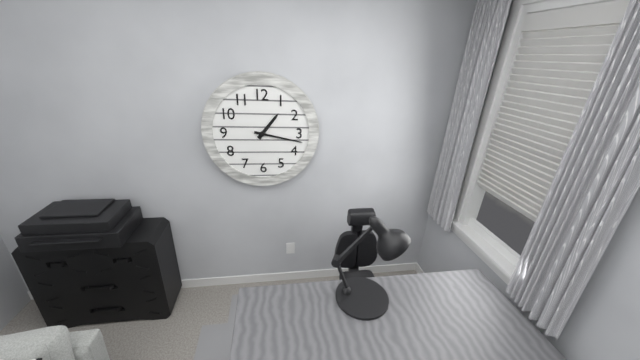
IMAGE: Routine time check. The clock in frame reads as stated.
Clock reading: 1:17
